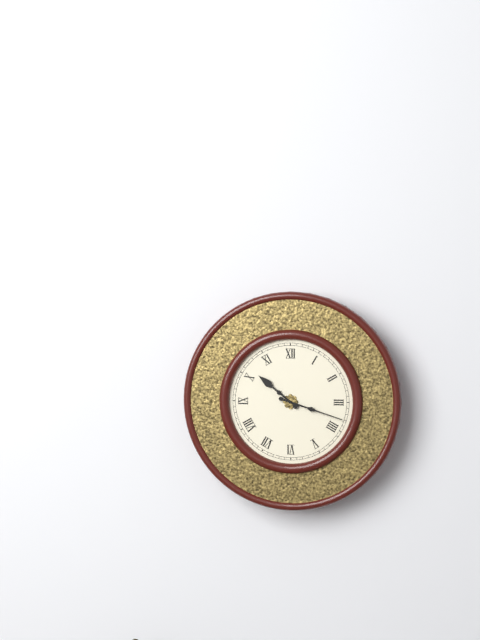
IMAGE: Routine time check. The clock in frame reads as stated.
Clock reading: 10:18
